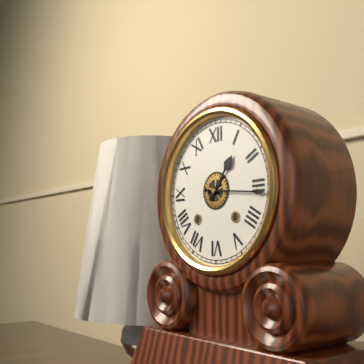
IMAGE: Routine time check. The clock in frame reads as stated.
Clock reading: 1:16
